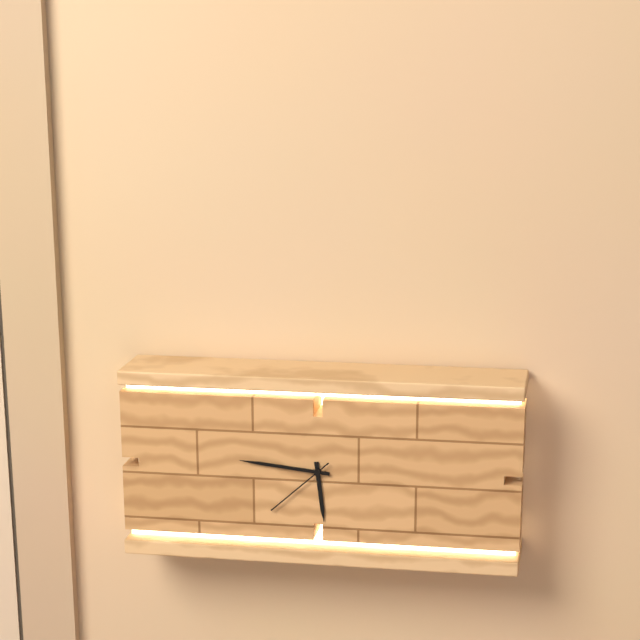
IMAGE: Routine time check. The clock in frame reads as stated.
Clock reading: 5:46:38
